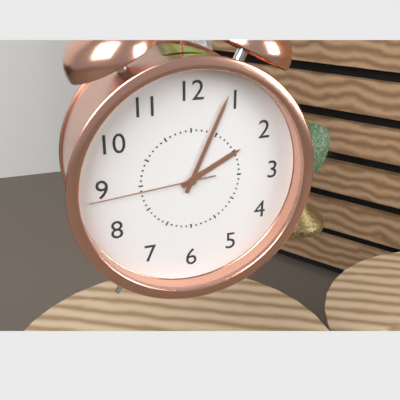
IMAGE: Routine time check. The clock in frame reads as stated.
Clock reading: 2:04:44
